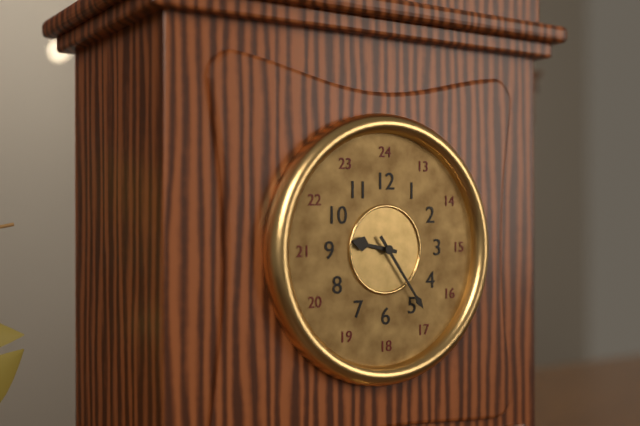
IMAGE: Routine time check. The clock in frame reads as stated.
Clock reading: 9:24
